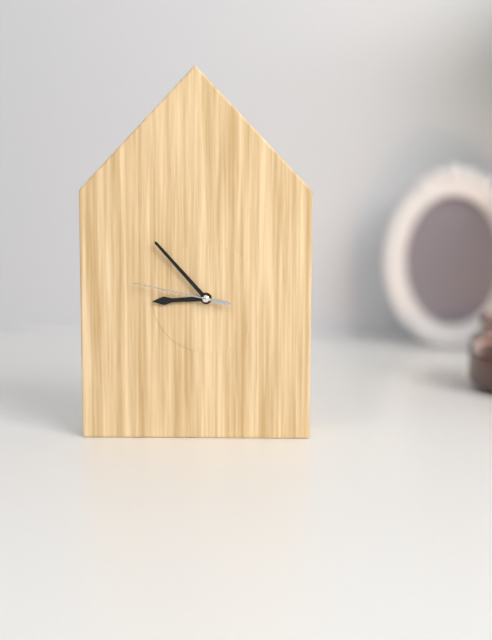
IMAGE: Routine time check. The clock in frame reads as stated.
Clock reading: 8:53:47
